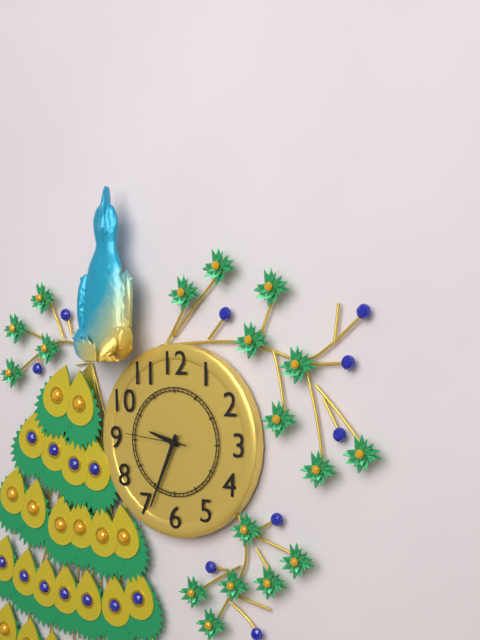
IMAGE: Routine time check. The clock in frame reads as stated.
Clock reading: 9:34:46
